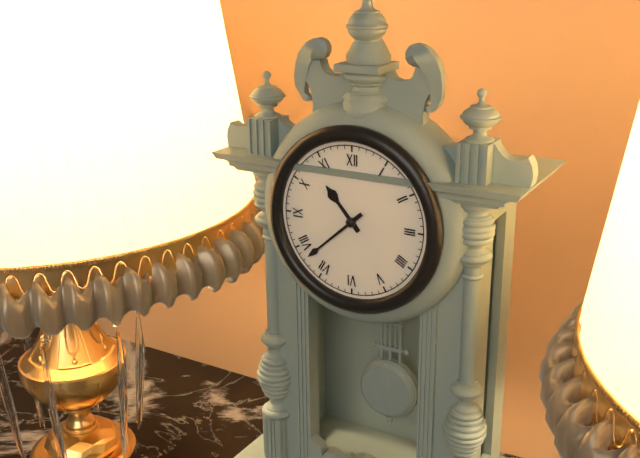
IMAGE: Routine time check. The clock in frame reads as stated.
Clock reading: 10:38
